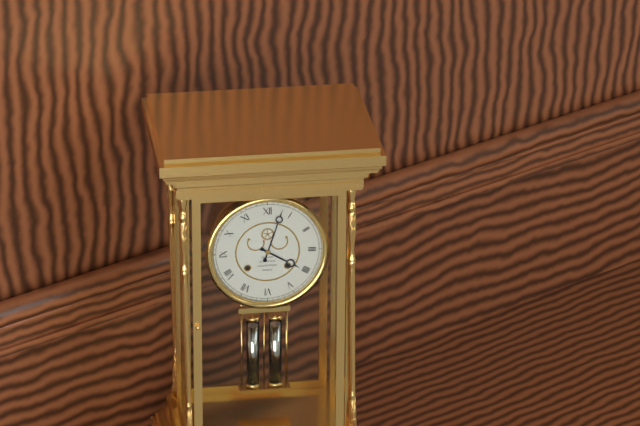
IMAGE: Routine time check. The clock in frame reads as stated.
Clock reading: 4:03
